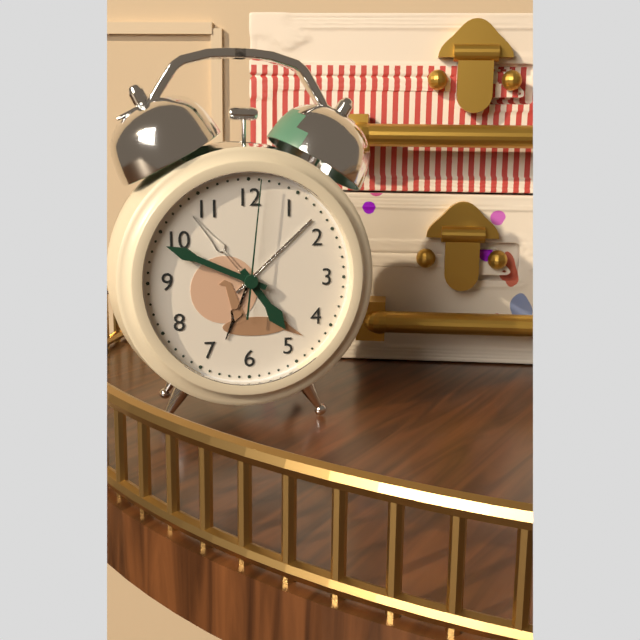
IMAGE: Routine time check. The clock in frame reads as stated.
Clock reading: 4:49:01
